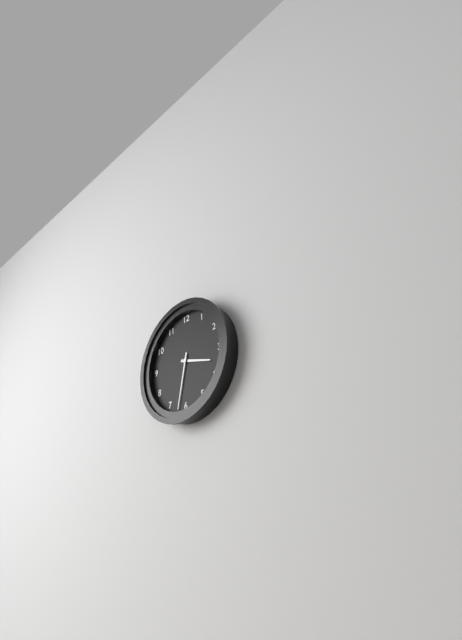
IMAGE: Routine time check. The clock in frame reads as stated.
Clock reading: 3:32
